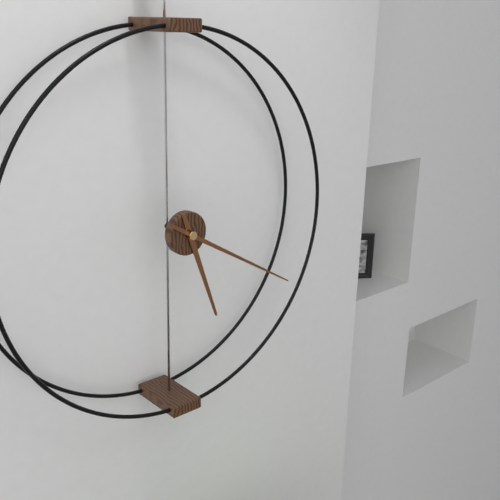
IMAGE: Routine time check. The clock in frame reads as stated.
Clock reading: 5:20
